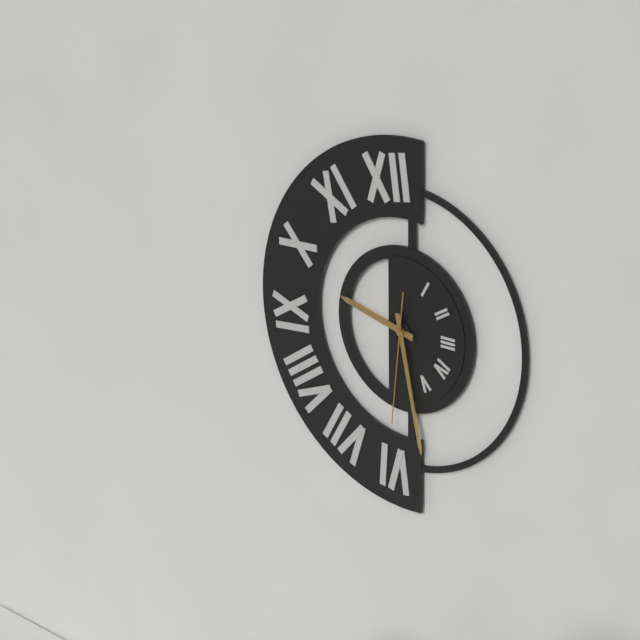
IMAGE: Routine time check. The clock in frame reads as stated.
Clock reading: 9:28:31
